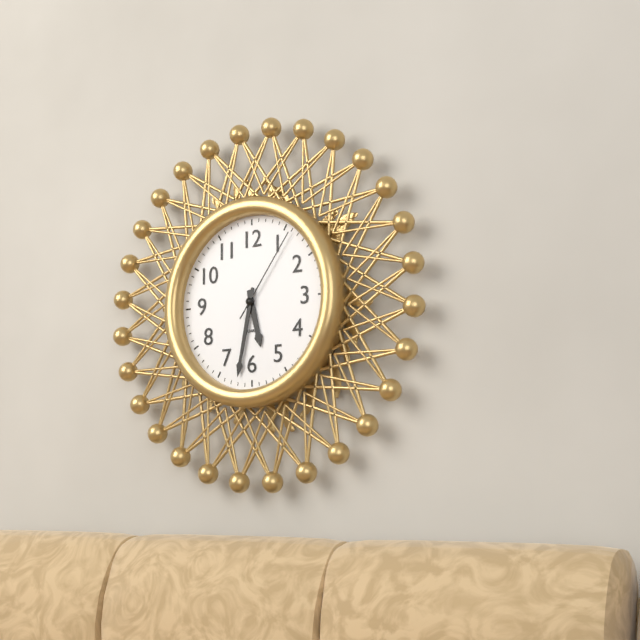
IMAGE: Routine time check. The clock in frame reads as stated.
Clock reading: 5:32:06
